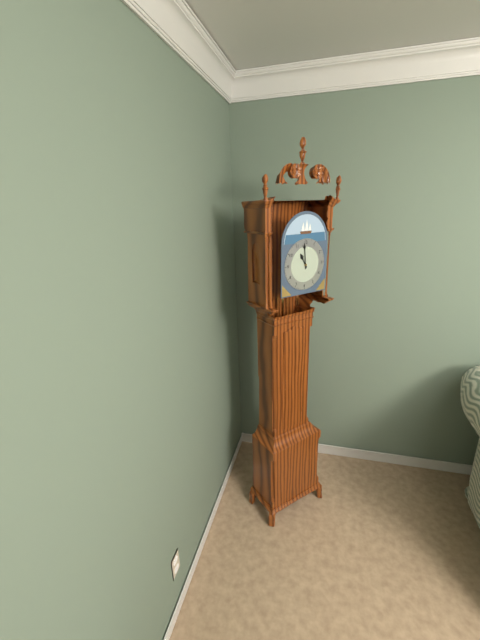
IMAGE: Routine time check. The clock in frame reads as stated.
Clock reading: 10:59
